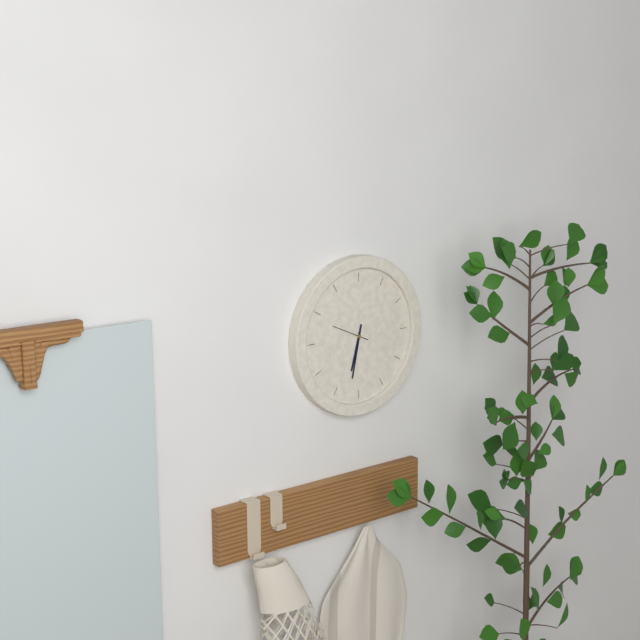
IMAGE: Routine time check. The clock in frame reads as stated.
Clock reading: 6:32
